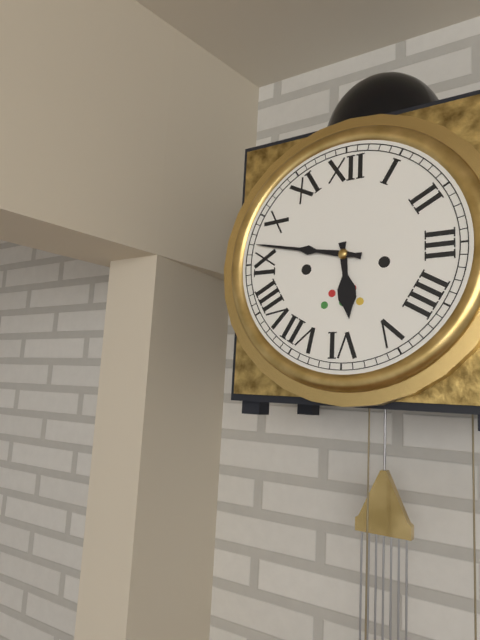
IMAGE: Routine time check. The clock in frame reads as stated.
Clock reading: 5:47
